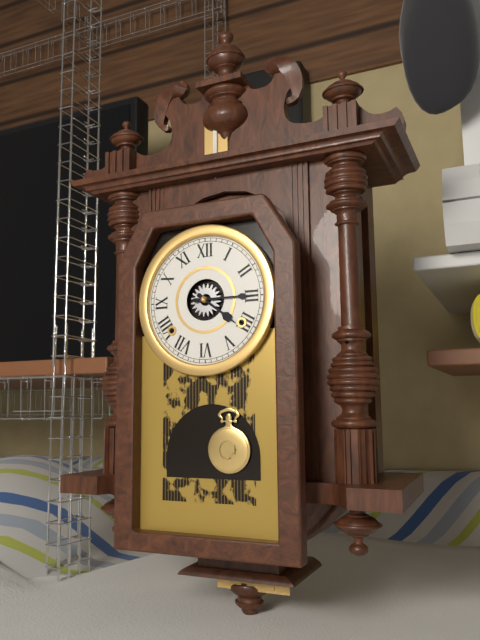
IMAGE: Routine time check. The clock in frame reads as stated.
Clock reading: 4:15
